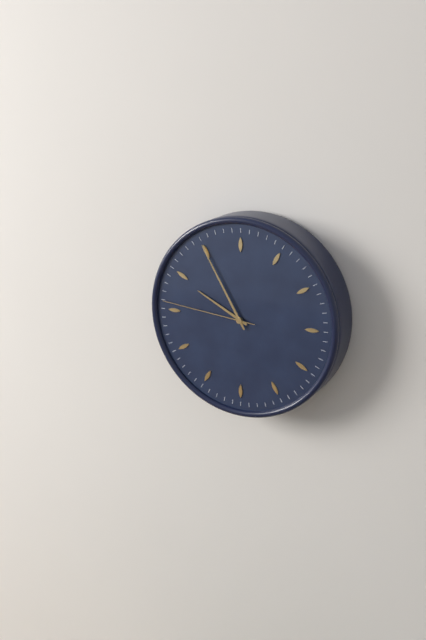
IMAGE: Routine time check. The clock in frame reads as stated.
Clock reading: 9:55:46
